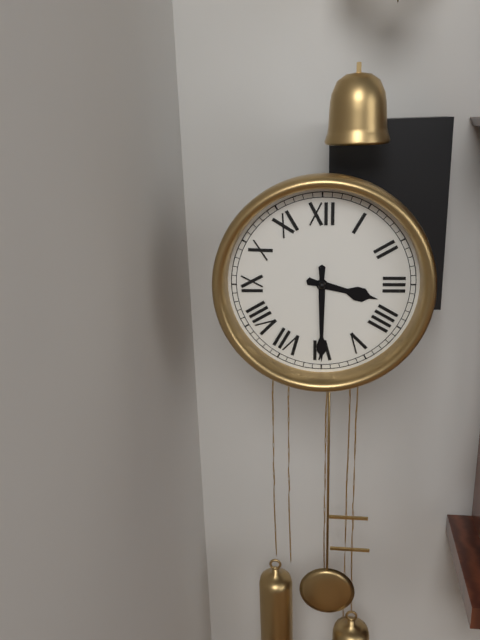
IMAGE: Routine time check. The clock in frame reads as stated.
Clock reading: 3:30
